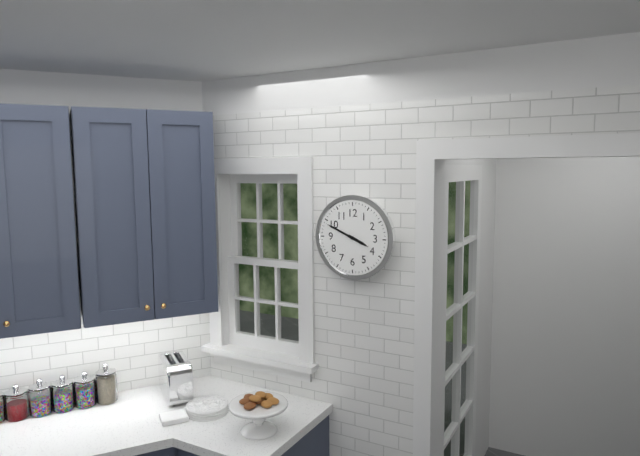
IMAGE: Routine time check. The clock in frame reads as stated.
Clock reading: 3:49
